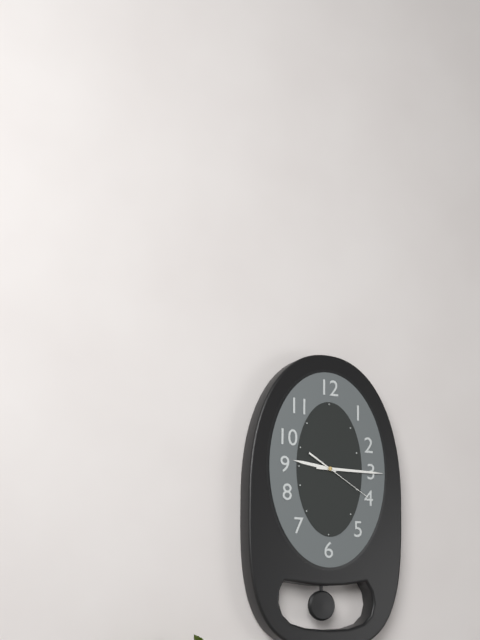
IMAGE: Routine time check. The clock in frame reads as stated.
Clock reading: 9:15:20
